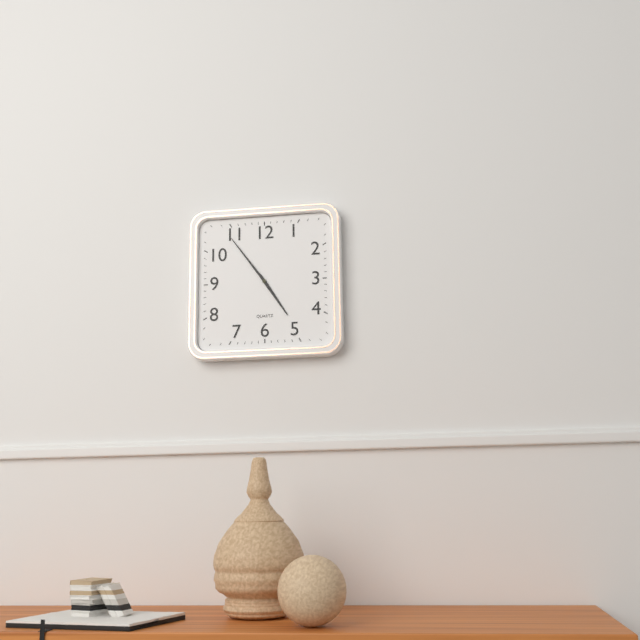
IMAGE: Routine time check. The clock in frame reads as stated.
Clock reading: 4:54
